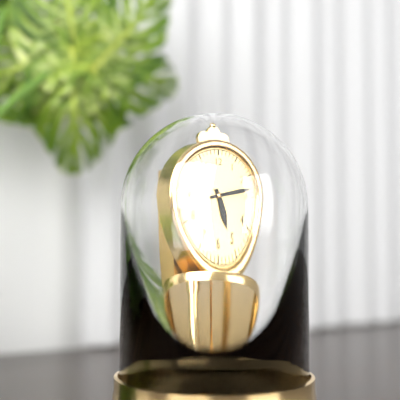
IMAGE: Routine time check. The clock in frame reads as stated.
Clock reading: 5:13
